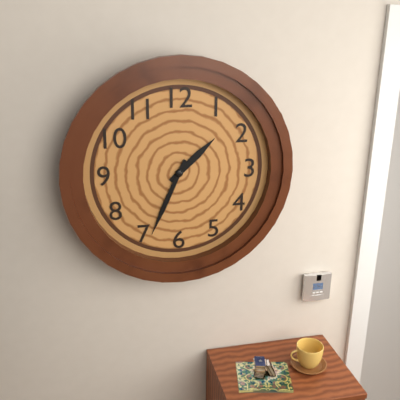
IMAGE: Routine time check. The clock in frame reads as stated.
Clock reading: 1:34
